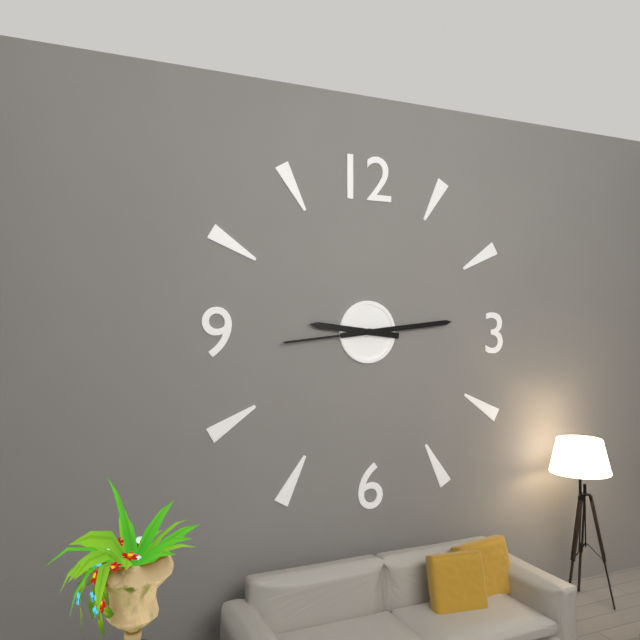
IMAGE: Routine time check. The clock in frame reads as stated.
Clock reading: 9:14:44
